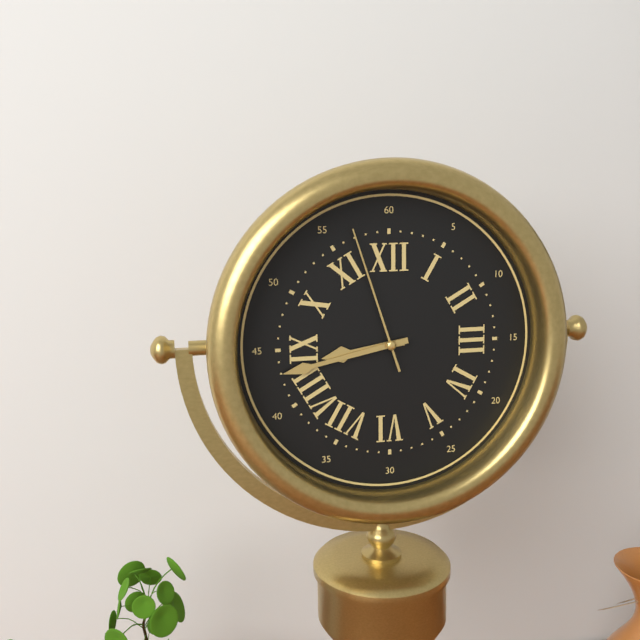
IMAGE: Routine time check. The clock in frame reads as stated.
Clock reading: 8:43:57
